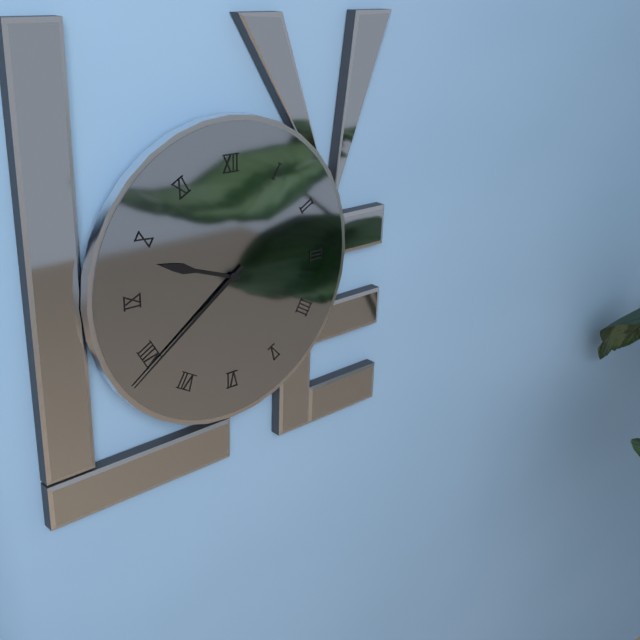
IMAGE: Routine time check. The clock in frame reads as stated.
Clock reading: 9:39
